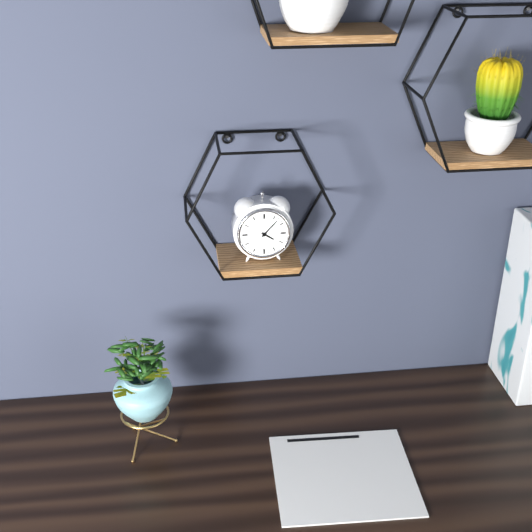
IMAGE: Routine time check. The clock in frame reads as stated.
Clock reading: 4:07
